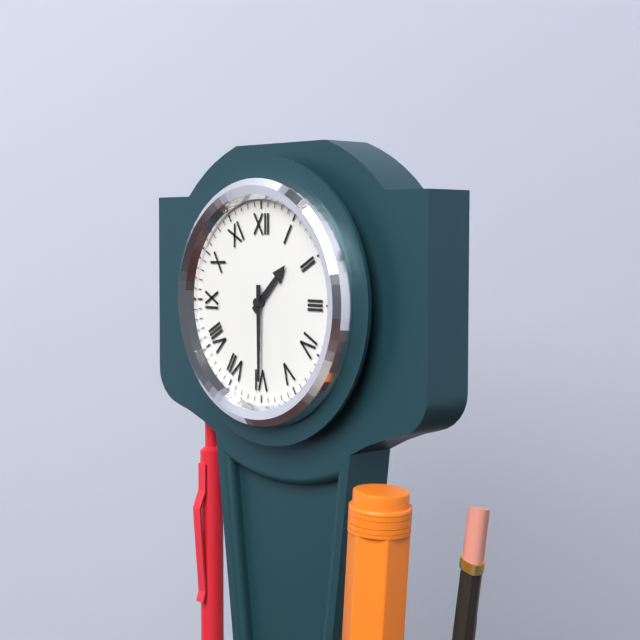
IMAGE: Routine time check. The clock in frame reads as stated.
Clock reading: 1:30
